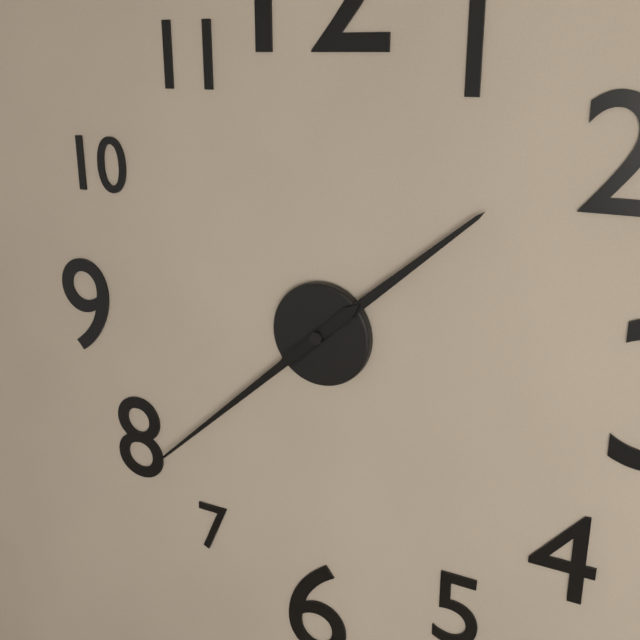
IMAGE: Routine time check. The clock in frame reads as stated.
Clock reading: 1:38
